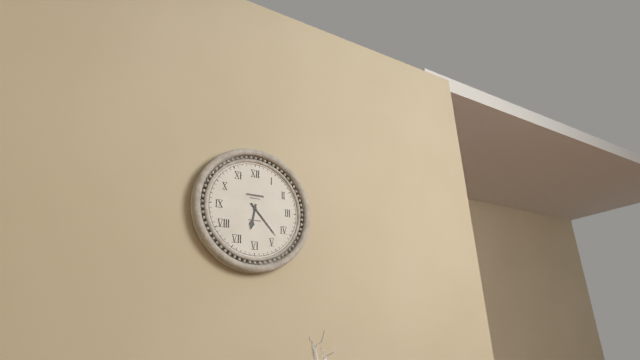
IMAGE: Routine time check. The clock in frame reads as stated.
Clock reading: 6:23
